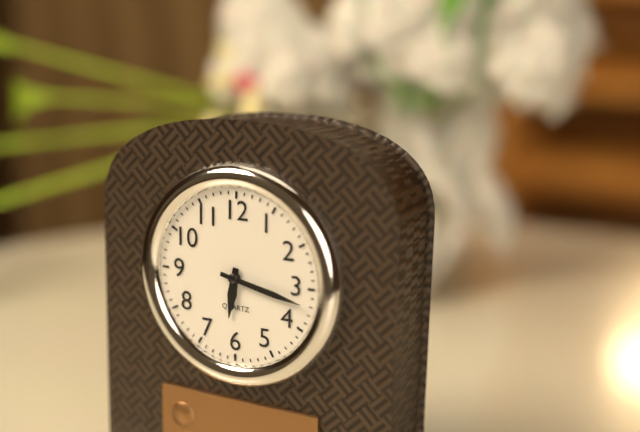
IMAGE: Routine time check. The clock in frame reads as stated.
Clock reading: 6:17
